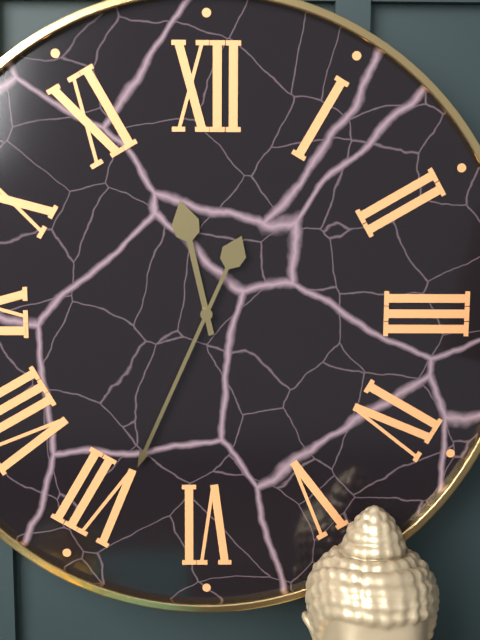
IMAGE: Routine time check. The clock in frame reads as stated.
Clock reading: 11:34
